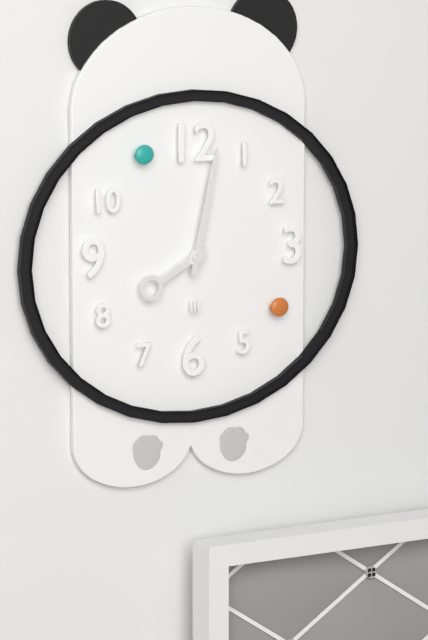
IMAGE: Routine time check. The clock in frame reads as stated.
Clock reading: 8:02
